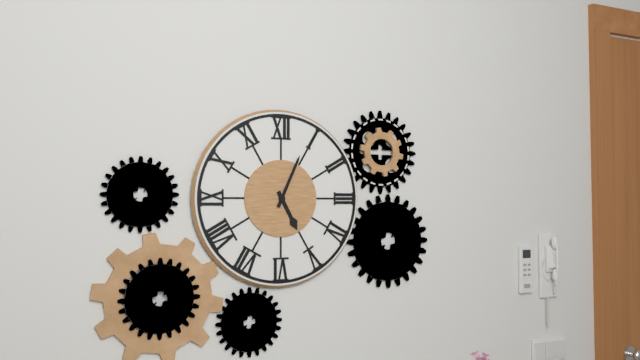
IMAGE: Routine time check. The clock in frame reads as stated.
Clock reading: 5:04
